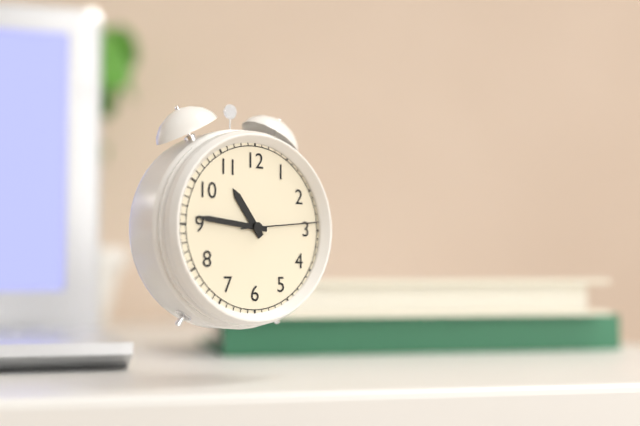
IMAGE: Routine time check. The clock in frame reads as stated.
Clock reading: 10:46:14
